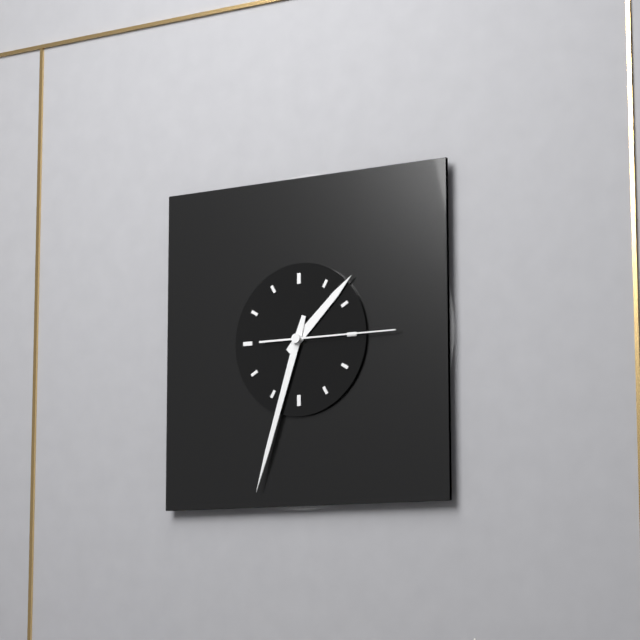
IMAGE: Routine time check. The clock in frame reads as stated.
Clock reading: 1:33:15
